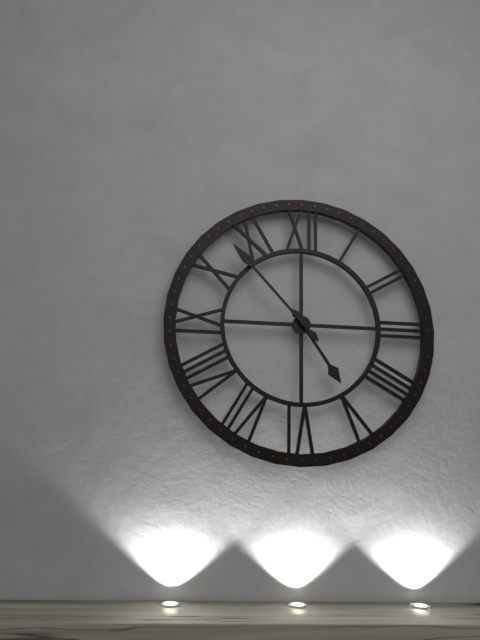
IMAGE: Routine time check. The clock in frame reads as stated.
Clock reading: 4:53
